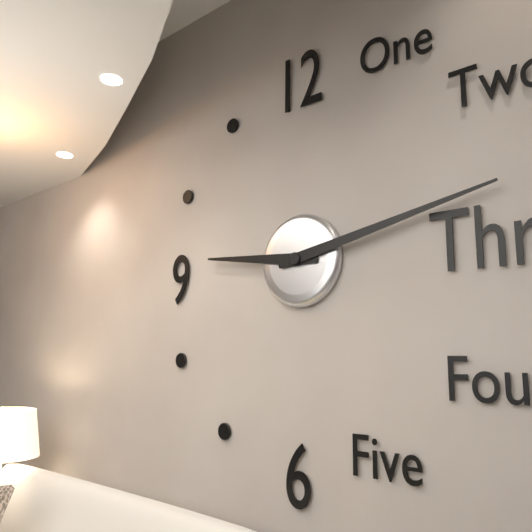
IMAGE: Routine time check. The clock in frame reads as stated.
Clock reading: 9:13
